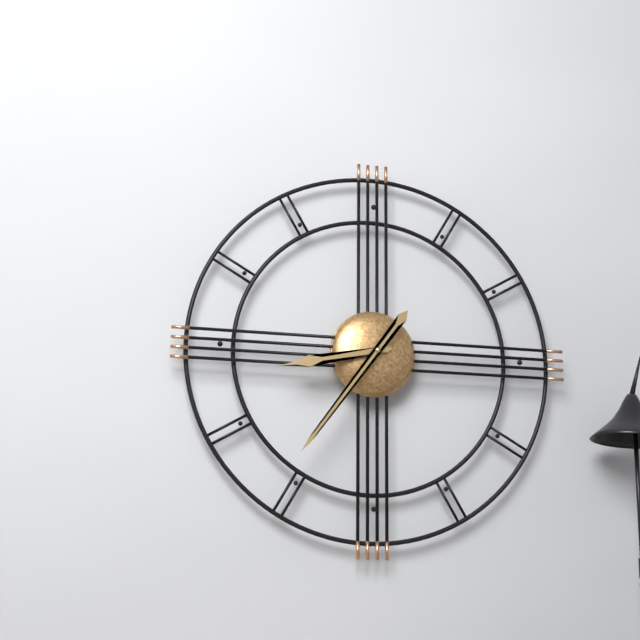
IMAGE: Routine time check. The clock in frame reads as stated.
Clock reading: 8:36
